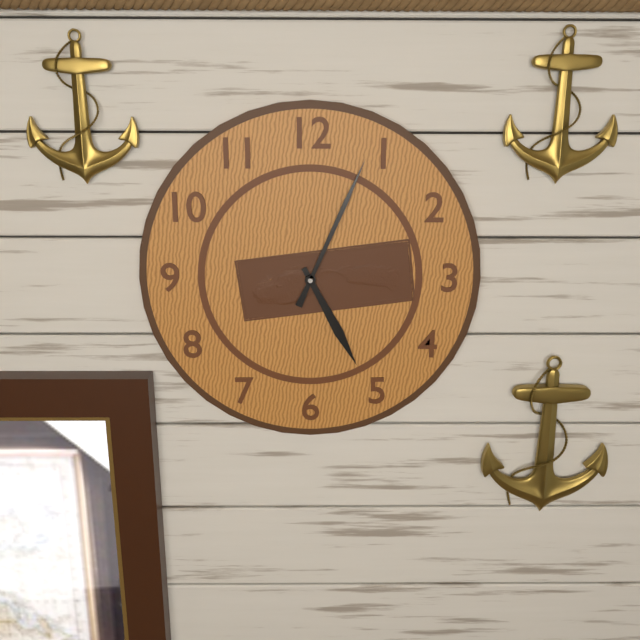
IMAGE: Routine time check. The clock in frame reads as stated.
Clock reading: 5:04
